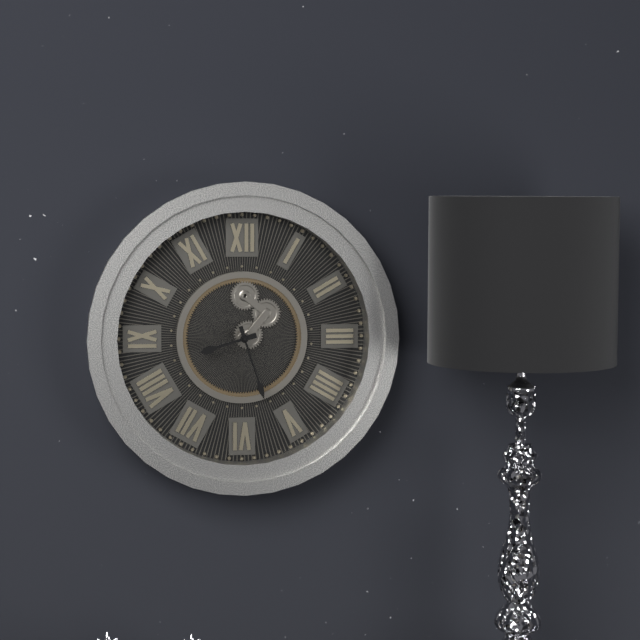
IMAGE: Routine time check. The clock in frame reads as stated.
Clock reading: 8:27
